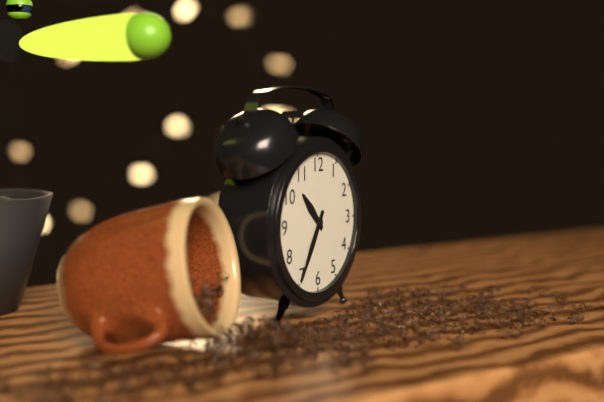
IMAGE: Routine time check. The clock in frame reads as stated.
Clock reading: 10:35
